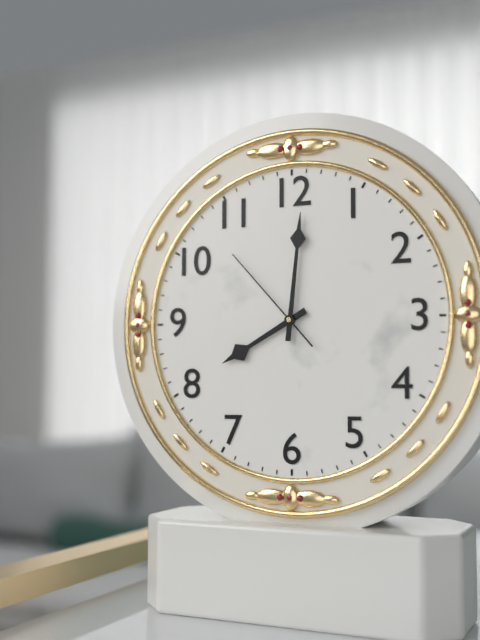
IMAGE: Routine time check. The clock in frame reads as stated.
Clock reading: 8:01:53
